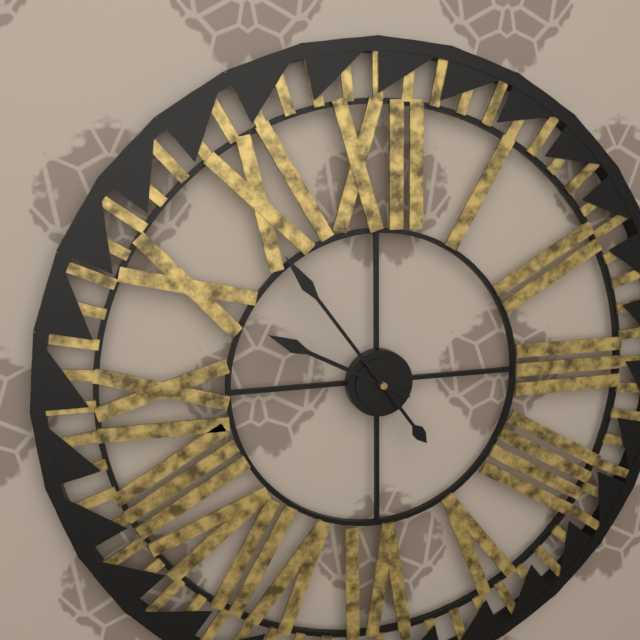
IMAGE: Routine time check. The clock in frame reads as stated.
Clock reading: 9:54
